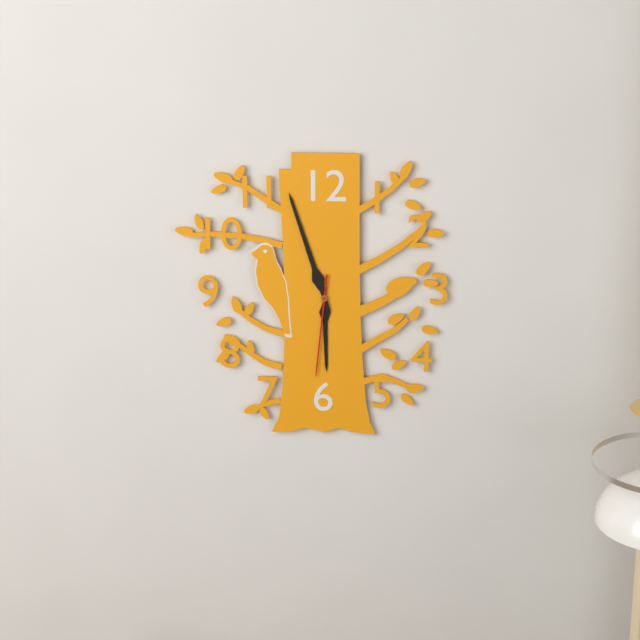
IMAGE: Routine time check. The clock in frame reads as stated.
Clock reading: 5:57:31
